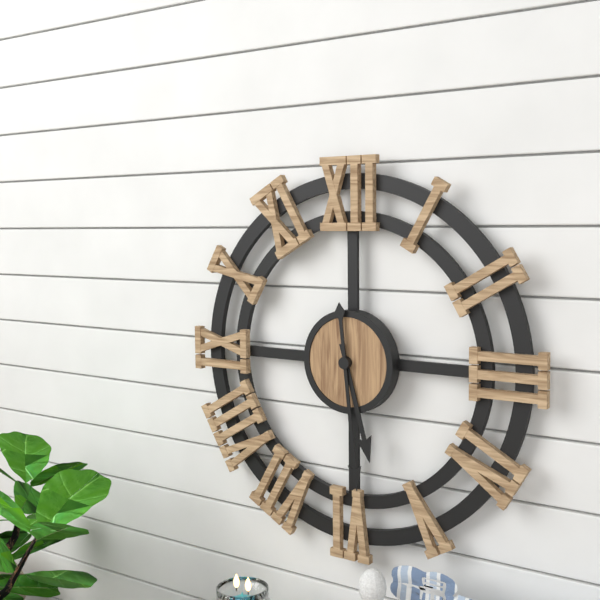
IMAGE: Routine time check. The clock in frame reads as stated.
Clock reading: 5:29
